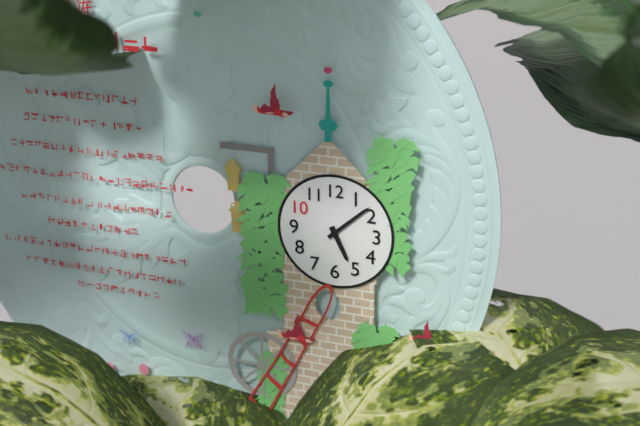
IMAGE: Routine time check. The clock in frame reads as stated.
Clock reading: 5:08
